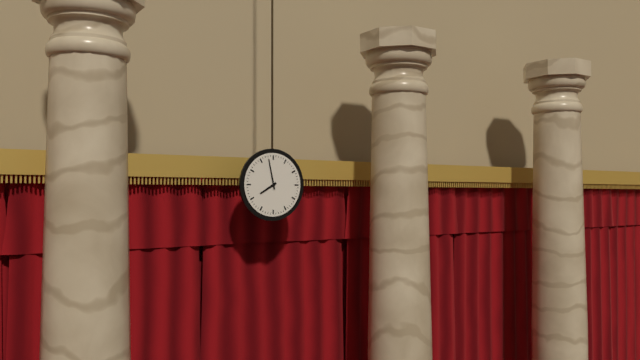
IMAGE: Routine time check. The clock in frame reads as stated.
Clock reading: 7:58
